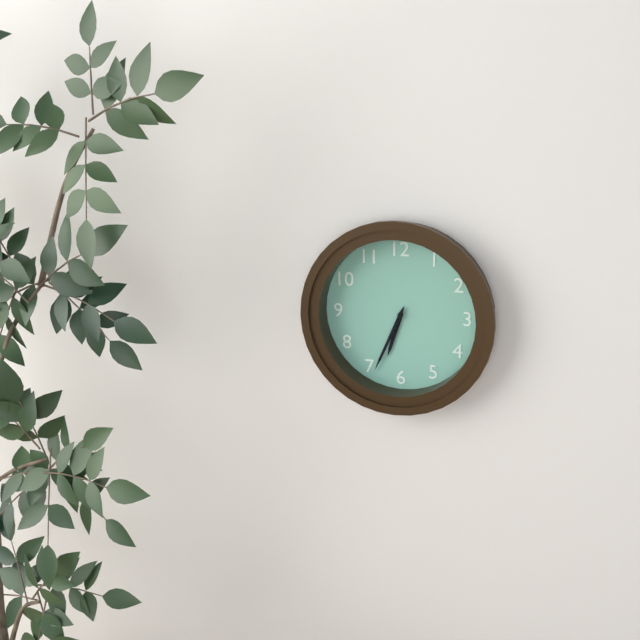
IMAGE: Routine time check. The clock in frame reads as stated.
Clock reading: 6:34
